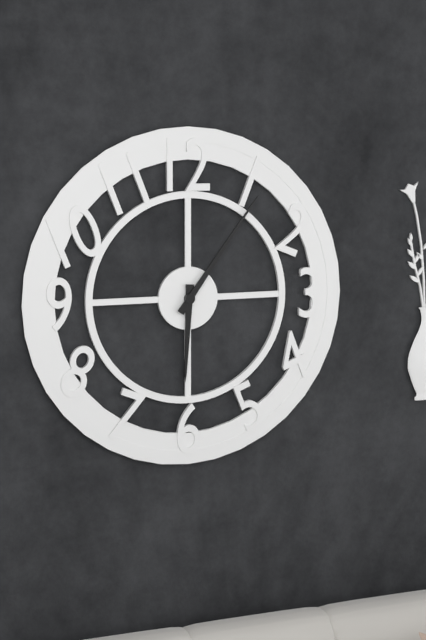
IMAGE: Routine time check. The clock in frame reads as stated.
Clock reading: 6:06
